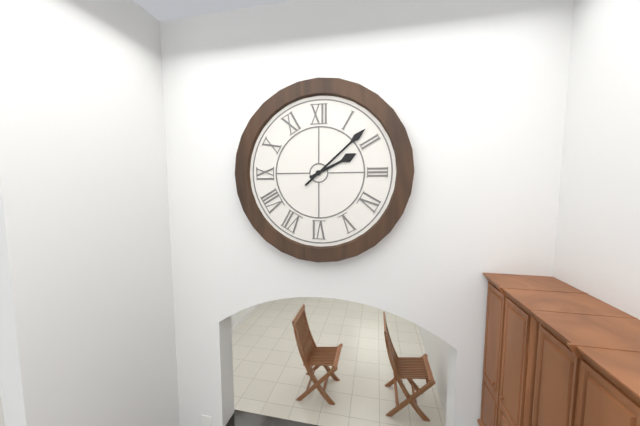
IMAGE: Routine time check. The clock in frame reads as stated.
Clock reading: 2:08
